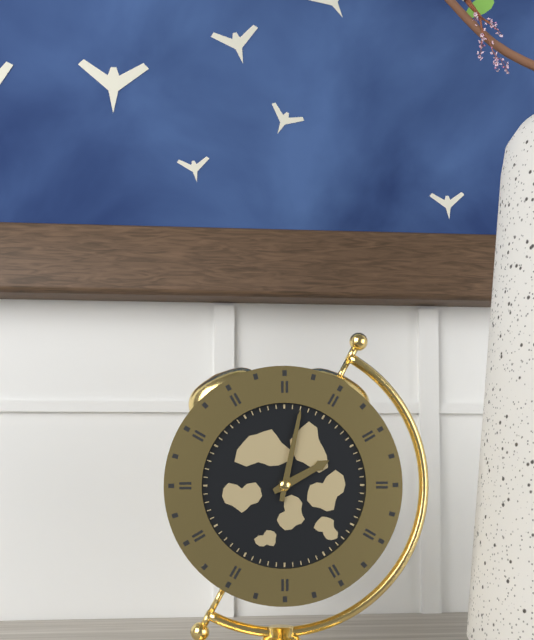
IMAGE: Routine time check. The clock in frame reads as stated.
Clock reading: 2:02
